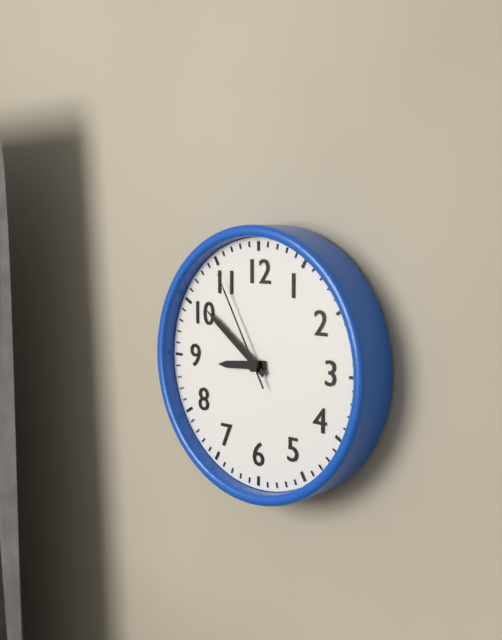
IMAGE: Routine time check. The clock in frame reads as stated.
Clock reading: 8:51:55
